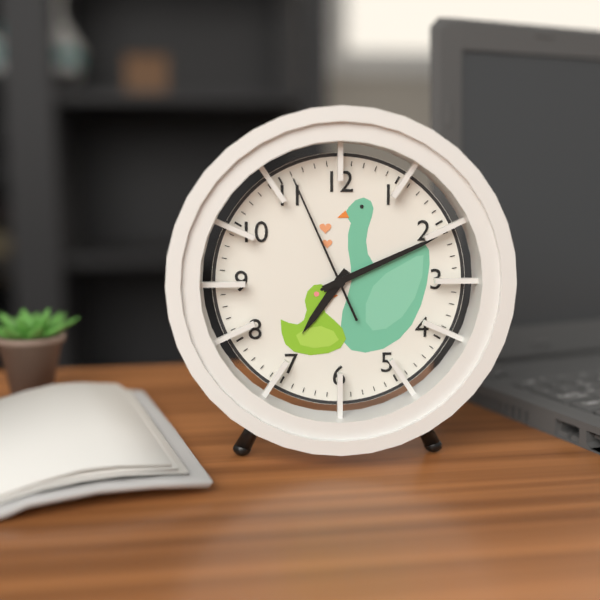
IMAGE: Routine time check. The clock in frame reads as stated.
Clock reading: 7:11:56
